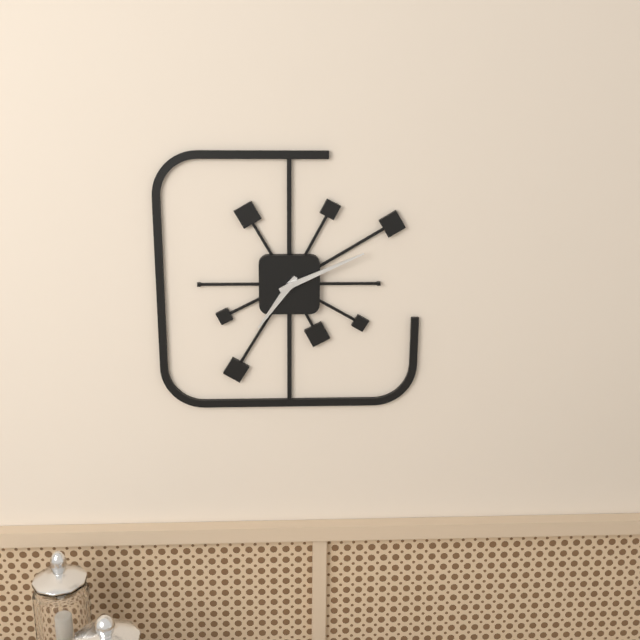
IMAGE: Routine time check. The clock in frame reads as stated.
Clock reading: 7:11
